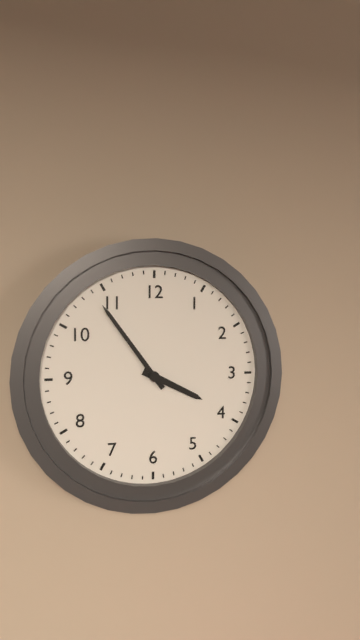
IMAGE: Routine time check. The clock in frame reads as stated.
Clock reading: 3:54
